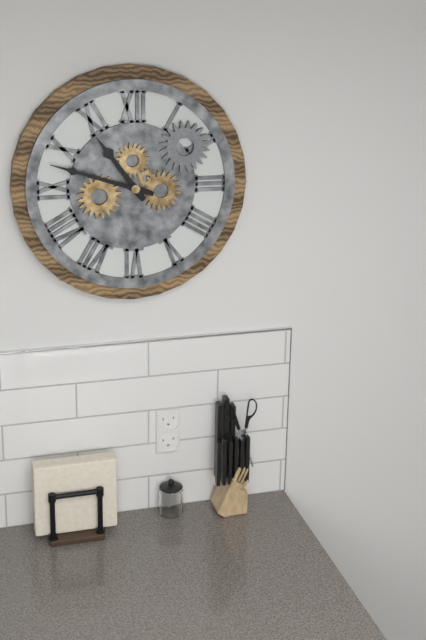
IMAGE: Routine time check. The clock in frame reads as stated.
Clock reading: 10:48
